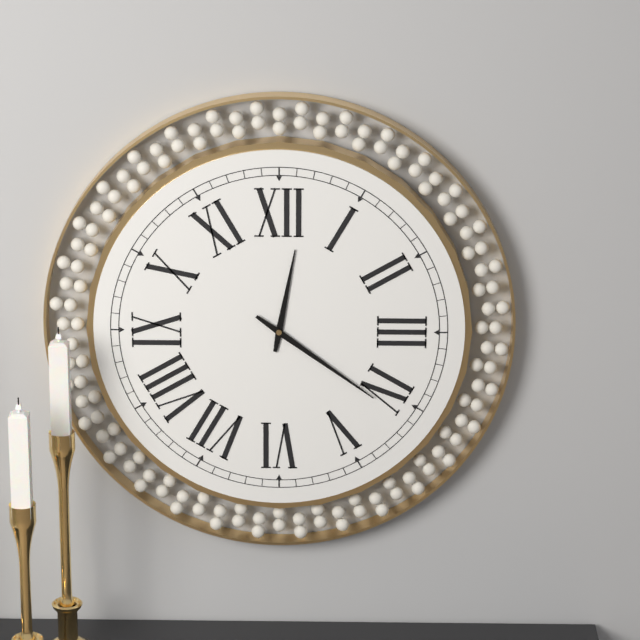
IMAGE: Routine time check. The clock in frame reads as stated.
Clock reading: 12:21
